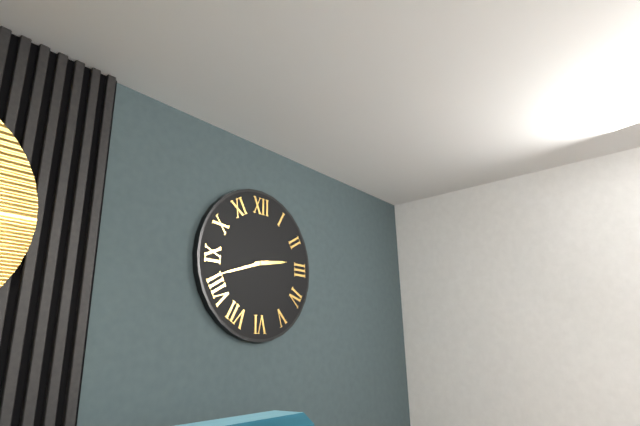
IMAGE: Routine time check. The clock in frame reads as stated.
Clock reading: 2:42
